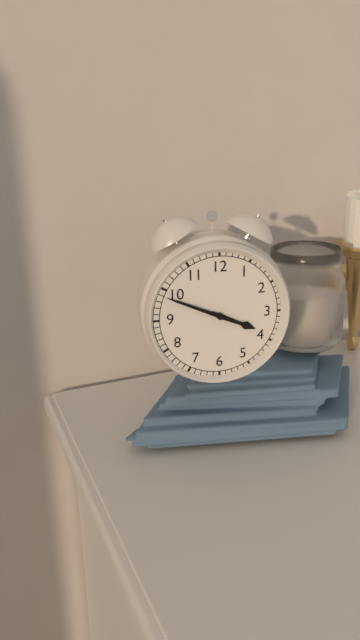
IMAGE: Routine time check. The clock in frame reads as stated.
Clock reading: 3:49
